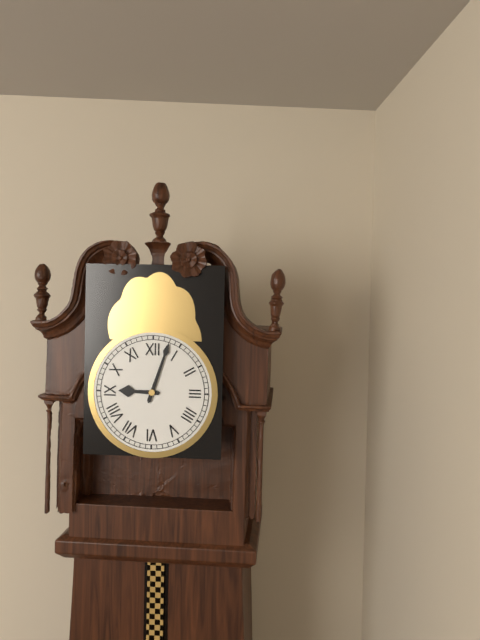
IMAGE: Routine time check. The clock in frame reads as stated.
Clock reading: 9:03
